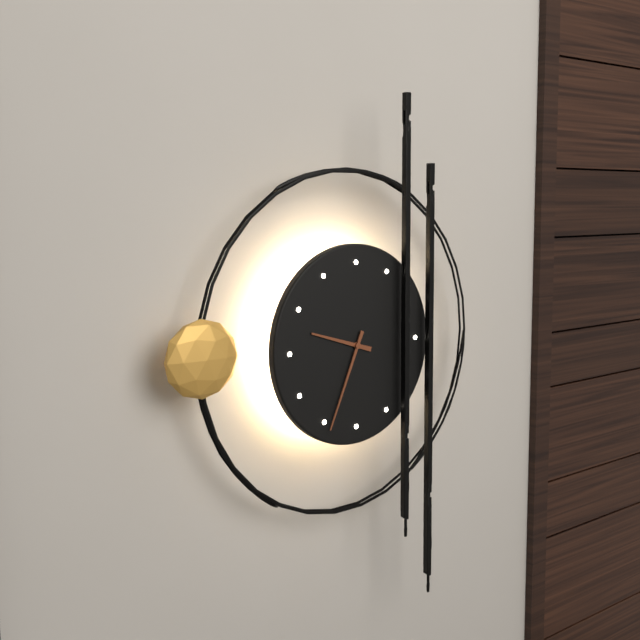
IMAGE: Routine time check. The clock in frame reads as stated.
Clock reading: 9:34
